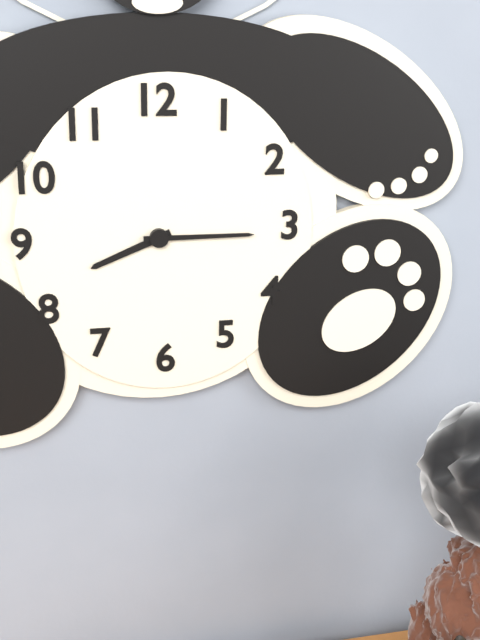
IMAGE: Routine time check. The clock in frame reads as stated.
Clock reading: 8:15
